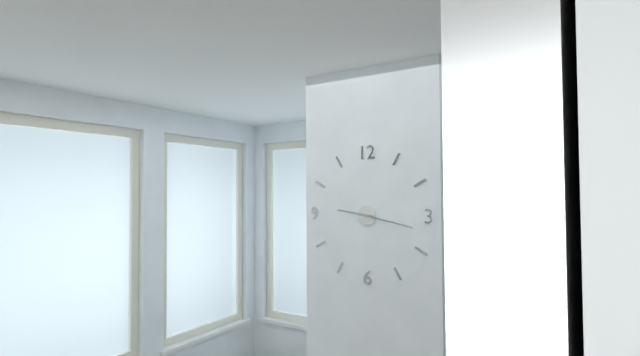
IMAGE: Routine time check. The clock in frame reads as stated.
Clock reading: 9:17
